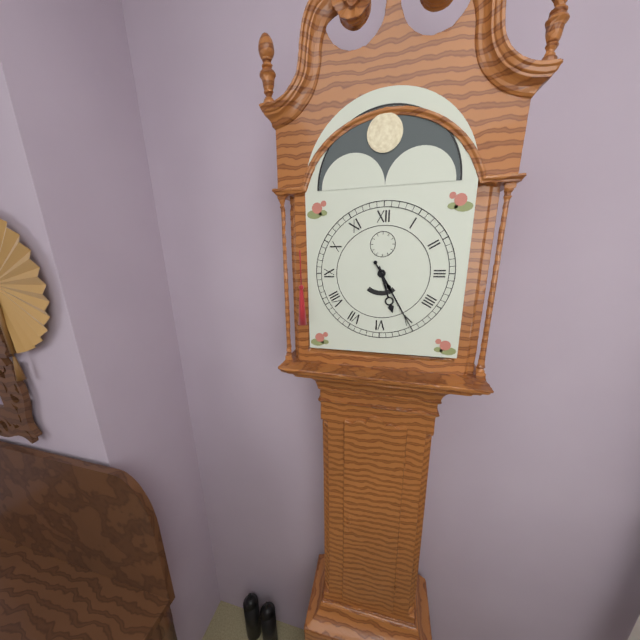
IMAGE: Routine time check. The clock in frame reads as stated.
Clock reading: 5:25
